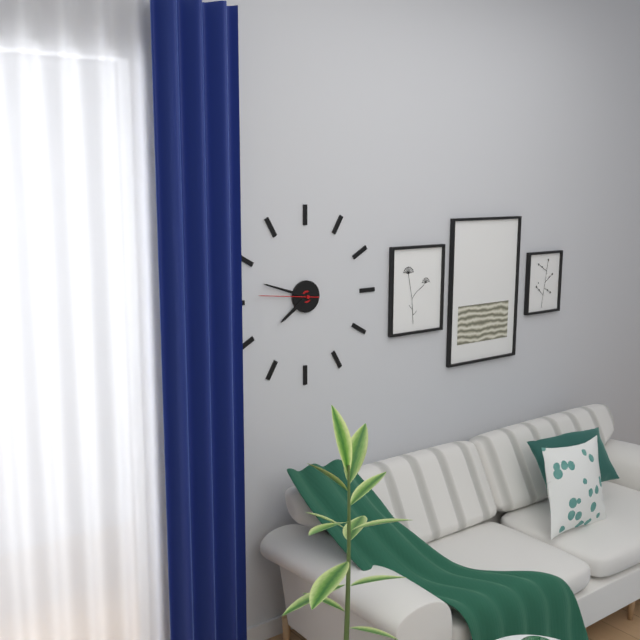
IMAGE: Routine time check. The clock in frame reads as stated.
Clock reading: 7:48:46
